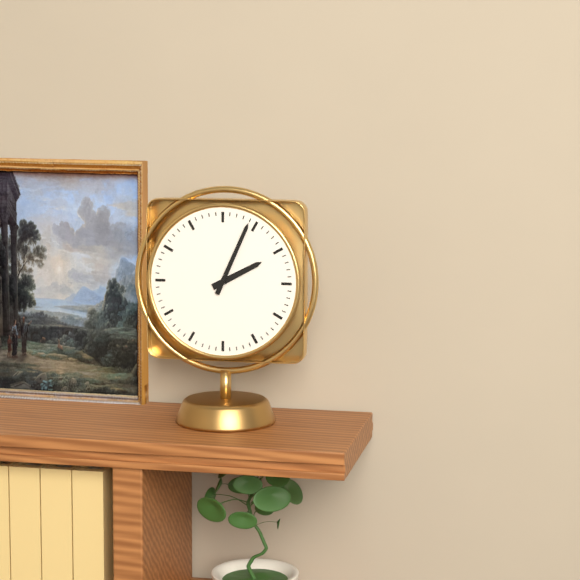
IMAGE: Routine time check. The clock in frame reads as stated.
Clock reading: 2:04
